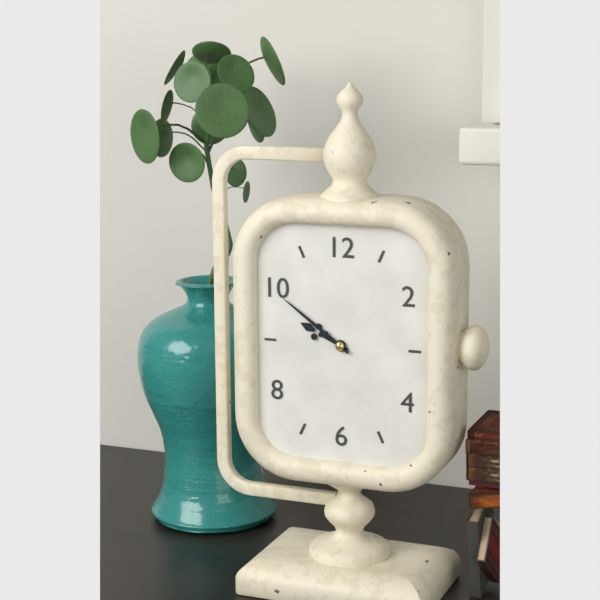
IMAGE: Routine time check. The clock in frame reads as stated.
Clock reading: 9:51
